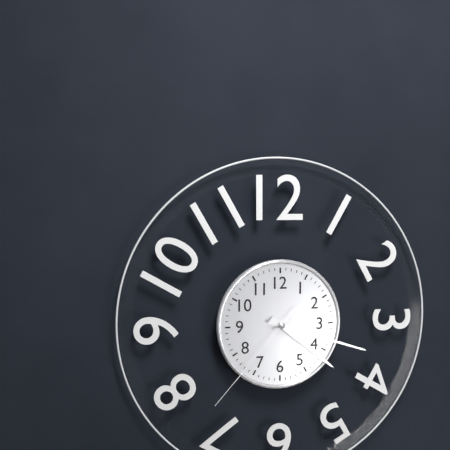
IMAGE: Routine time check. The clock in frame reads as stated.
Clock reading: 4:18:37
